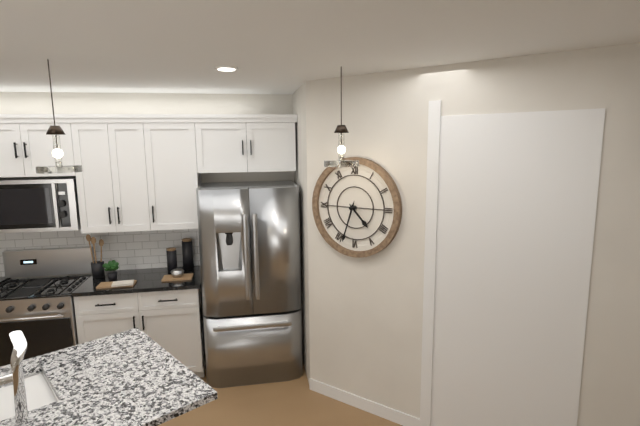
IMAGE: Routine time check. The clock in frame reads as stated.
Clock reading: 4:33
